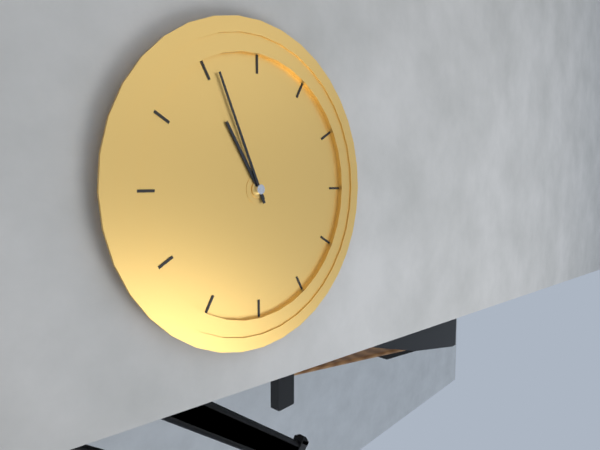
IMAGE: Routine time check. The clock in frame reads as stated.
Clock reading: 10:56
